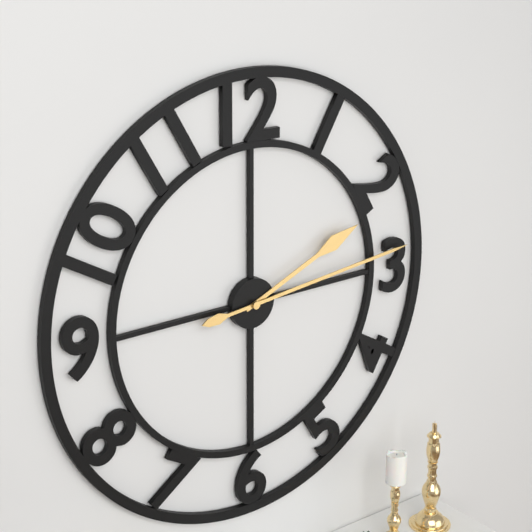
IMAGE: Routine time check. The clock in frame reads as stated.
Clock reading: 2:14
